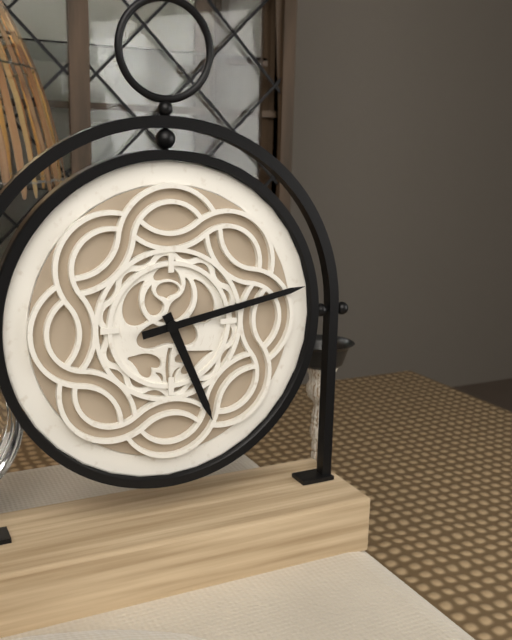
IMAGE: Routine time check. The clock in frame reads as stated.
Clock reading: 5:13
